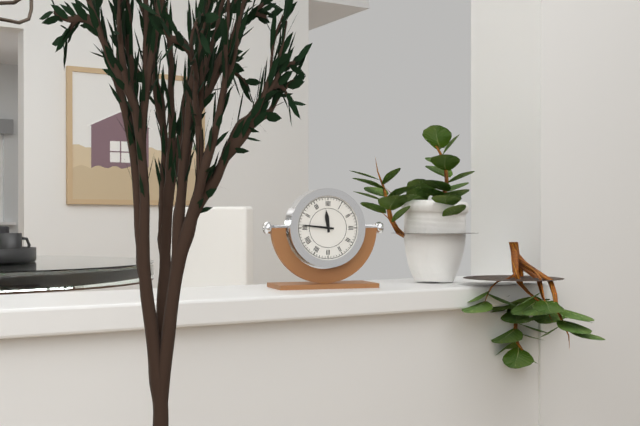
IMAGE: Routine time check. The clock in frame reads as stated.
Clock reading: 11:46
